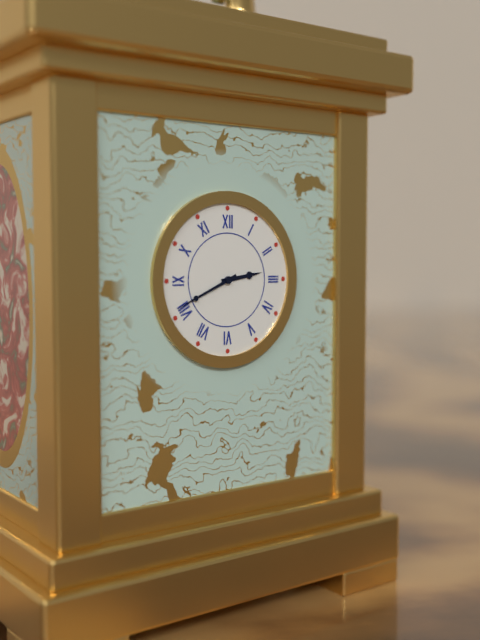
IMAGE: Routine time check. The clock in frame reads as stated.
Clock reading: 2:41
